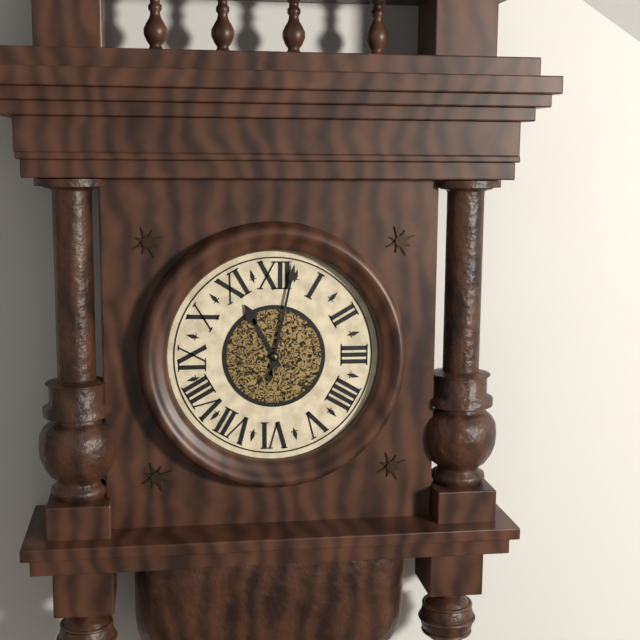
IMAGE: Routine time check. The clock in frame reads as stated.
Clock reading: 11:02
